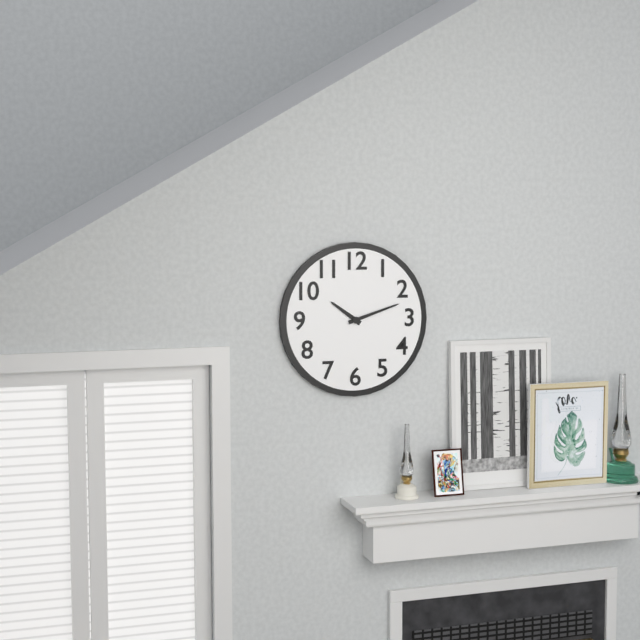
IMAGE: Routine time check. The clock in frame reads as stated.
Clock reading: 10:12
